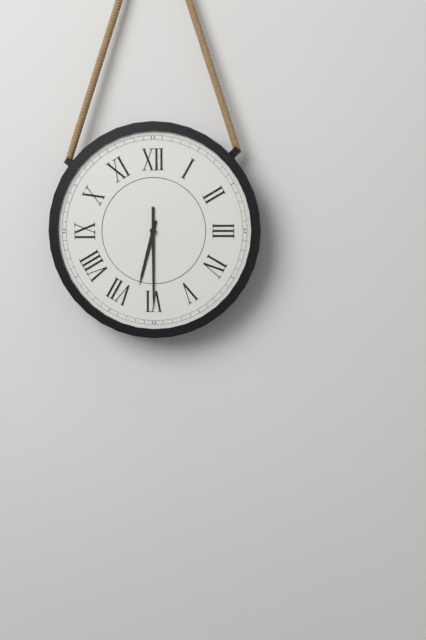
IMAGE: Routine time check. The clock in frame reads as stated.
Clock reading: 6:30
